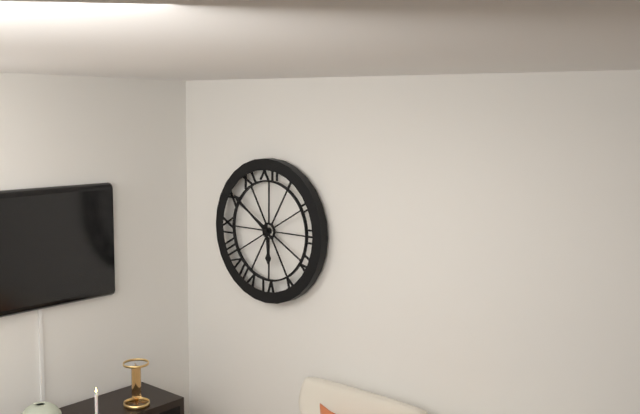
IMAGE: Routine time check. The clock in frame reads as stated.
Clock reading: 5:51
